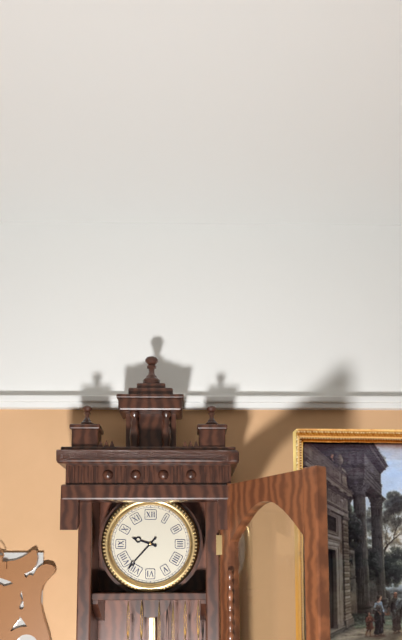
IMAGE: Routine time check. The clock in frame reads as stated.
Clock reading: 9:37
